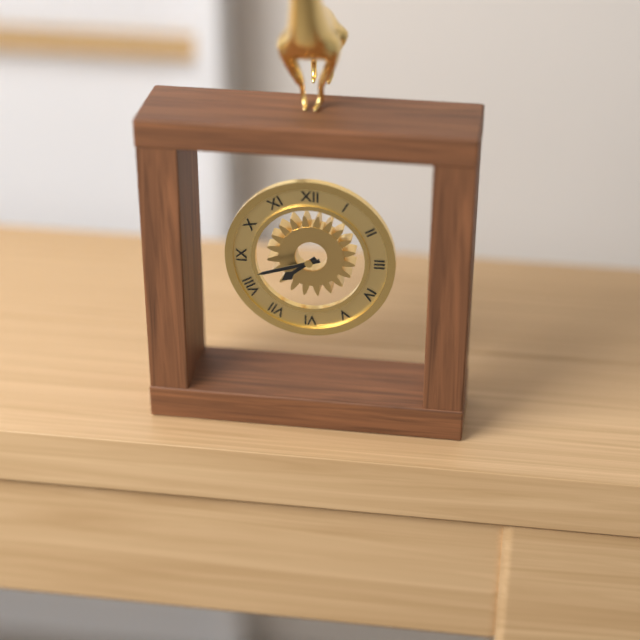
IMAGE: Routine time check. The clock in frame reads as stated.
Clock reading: 7:42
